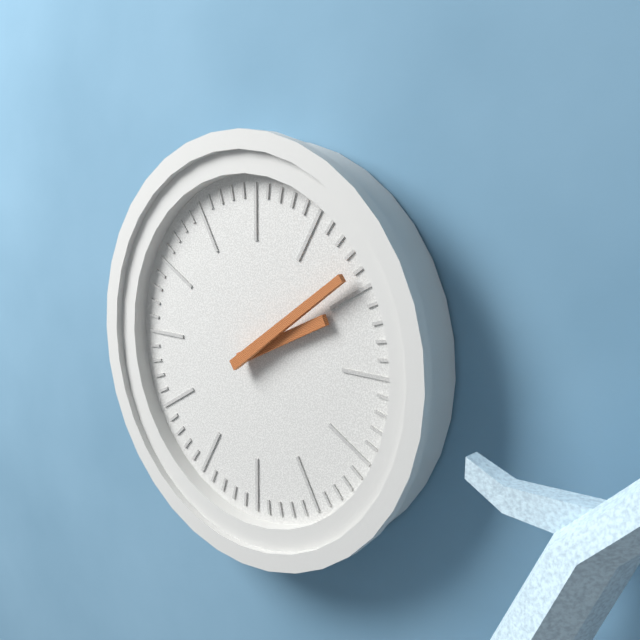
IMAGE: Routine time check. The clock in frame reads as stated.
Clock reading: 2:09
